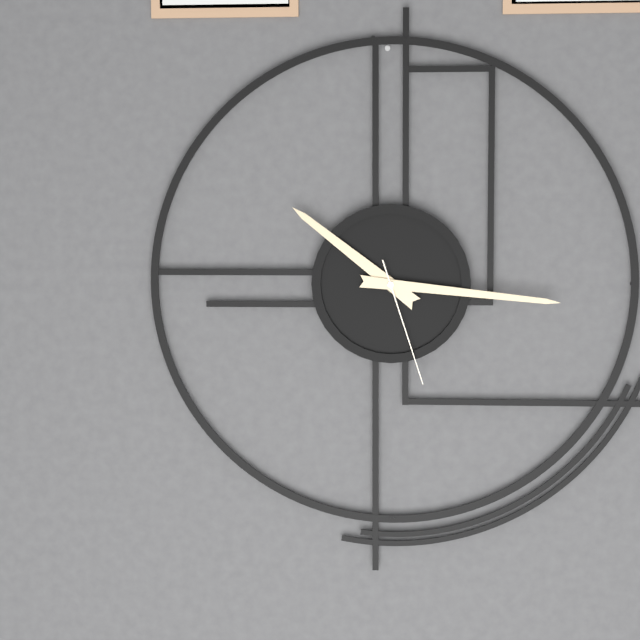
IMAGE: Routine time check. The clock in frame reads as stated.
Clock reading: 10:16:27
